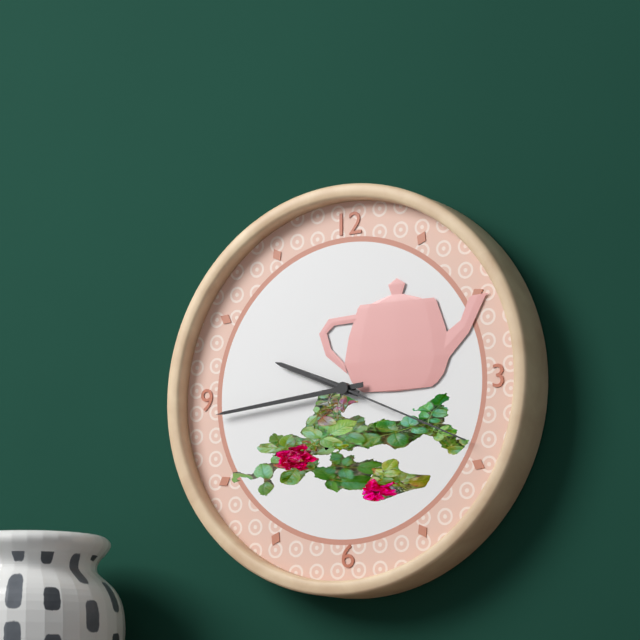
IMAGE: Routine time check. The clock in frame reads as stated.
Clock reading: 9:44:19
